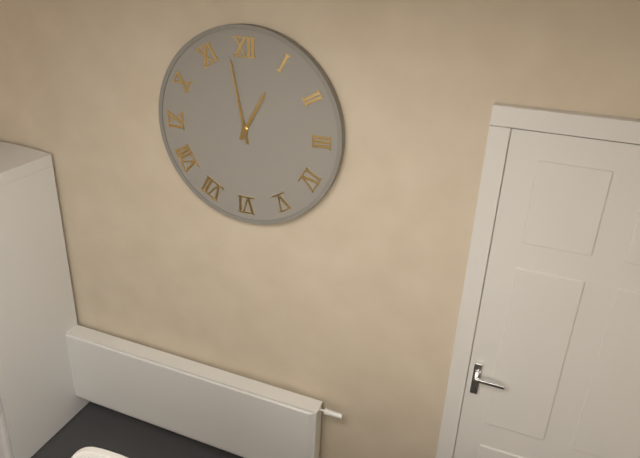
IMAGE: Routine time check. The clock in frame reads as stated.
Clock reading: 12:58
